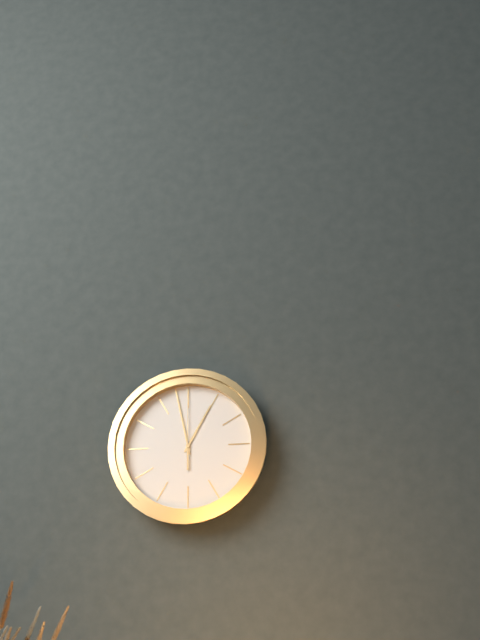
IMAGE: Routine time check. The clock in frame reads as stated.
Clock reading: 12:58:00
